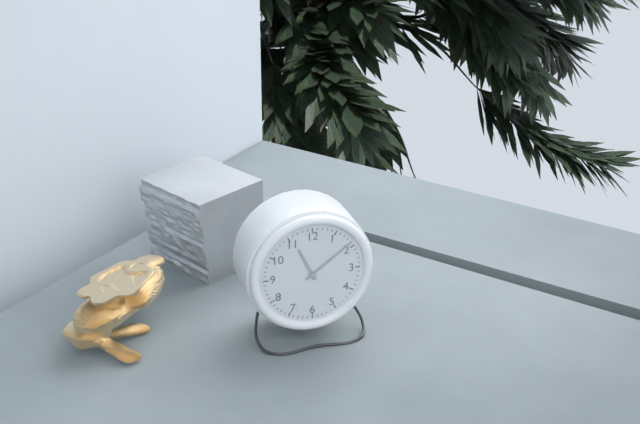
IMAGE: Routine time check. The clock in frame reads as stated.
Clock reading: 11:09
